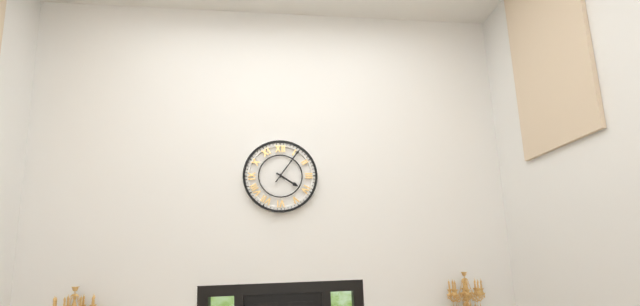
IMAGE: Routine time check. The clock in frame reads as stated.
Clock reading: 4:06
